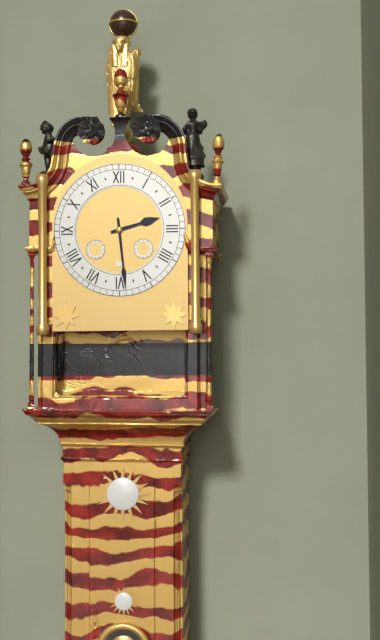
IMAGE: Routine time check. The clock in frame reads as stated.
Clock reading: 2:29
